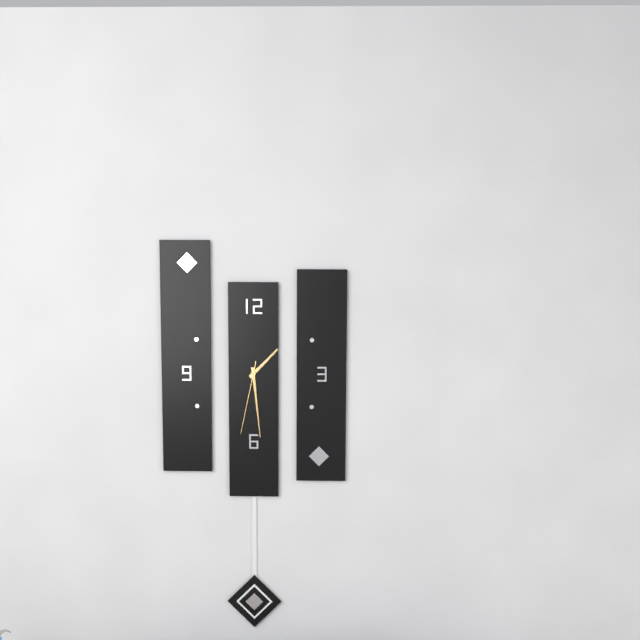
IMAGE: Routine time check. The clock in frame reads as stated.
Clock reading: 1:29:32
